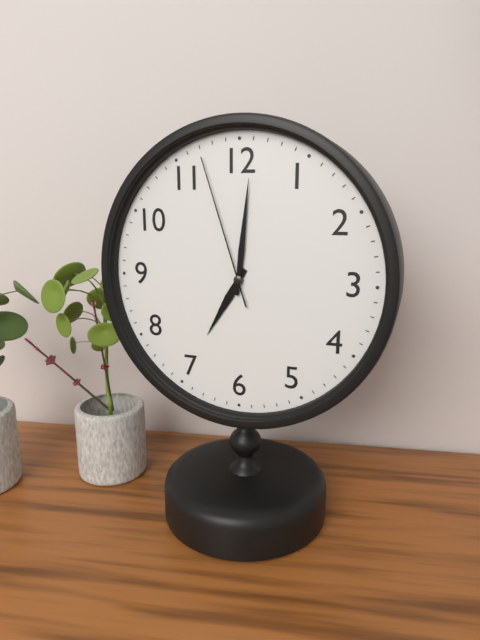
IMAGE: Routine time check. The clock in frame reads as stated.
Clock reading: 7:01:57
